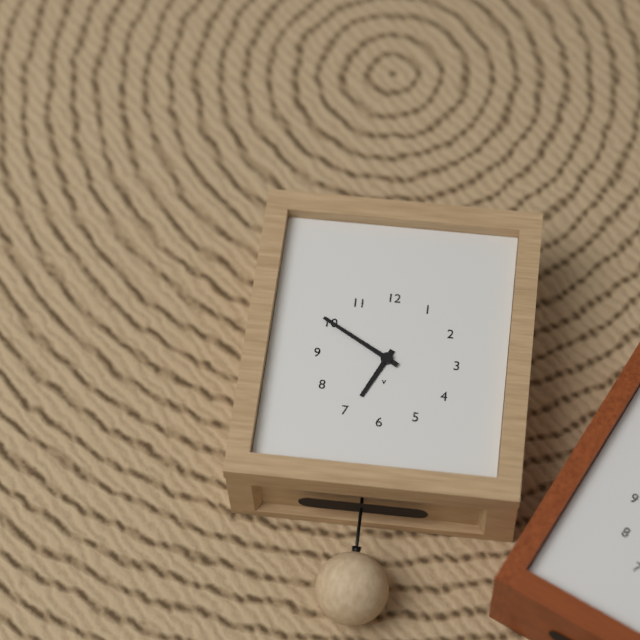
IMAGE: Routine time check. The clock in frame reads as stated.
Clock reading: 6:50
